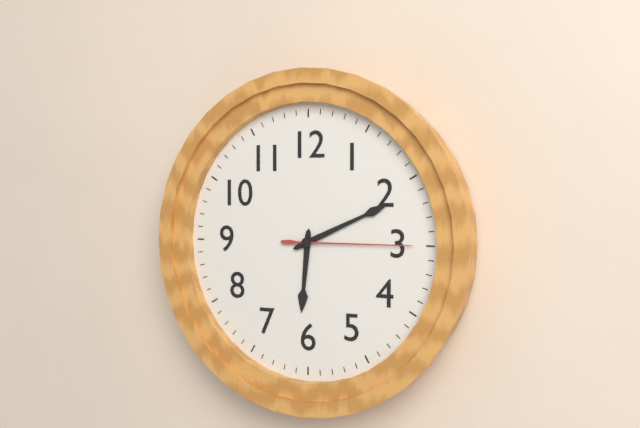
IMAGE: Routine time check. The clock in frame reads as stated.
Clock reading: 6:11:15
